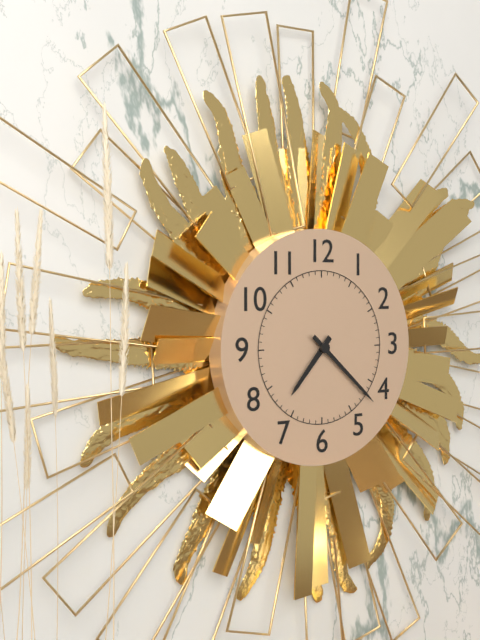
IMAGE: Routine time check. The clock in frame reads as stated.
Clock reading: 7:22
